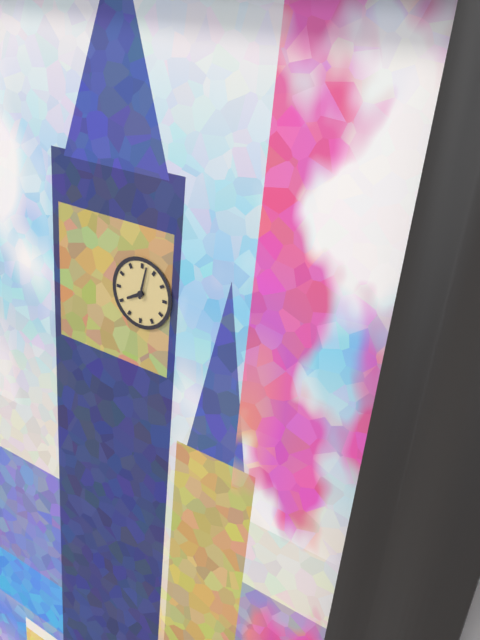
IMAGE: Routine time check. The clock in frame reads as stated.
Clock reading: 8:02
